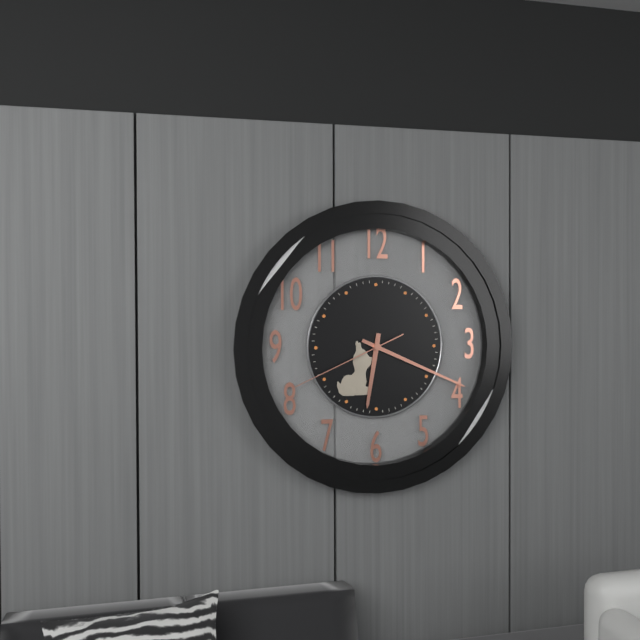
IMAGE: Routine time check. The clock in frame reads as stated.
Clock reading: 6:19:41
